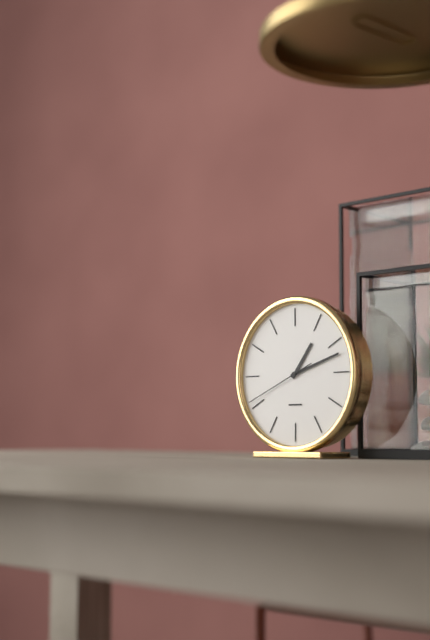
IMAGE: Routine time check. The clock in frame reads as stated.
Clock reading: 1:12:41
